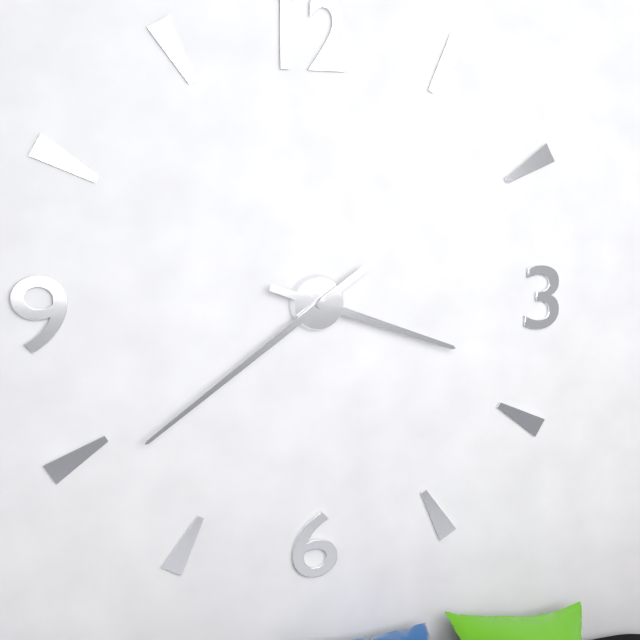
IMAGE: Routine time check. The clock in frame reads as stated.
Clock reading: 3:39
